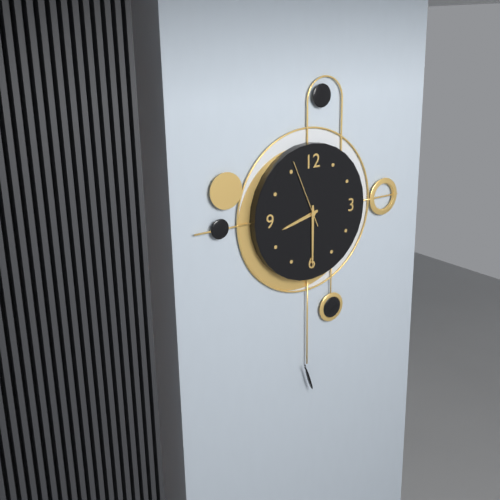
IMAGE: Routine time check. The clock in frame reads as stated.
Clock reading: 8:30:56
